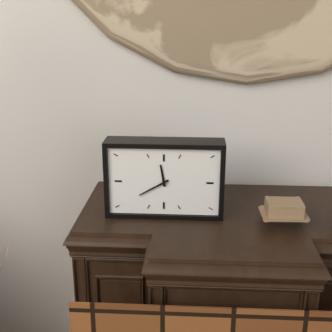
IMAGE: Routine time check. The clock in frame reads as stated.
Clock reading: 11:40
